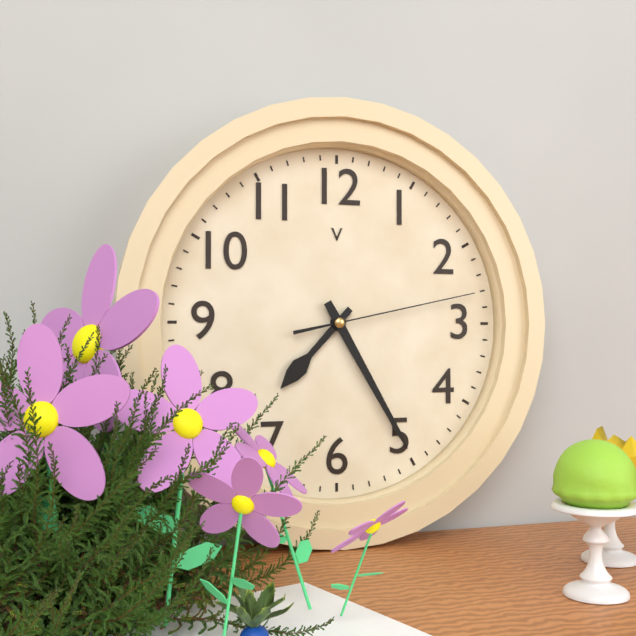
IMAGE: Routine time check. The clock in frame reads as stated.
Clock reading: 7:25:13
